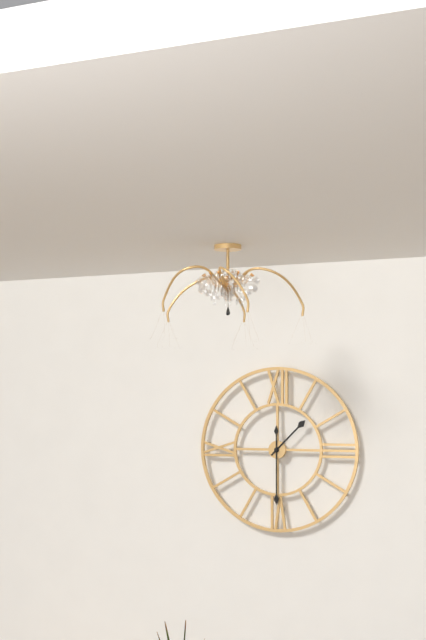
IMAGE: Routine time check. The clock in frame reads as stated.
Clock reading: 1:30
